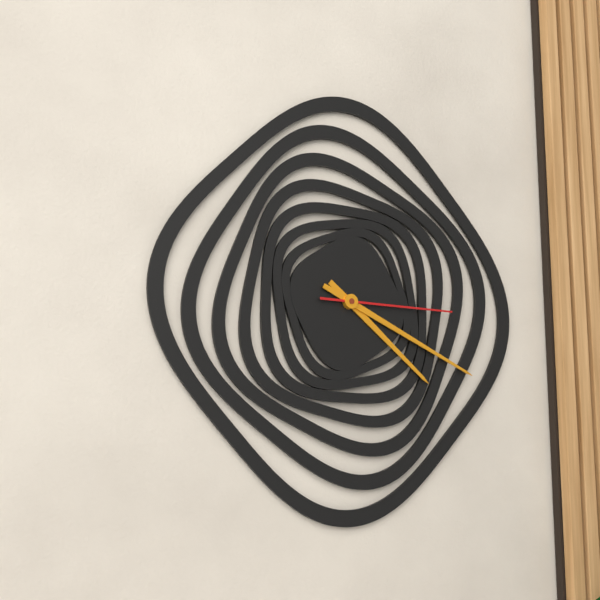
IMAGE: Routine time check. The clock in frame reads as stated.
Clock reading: 4:19:15
